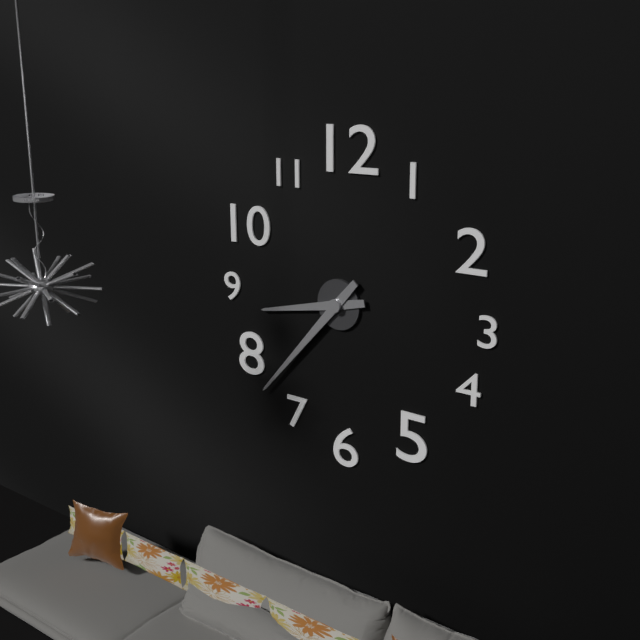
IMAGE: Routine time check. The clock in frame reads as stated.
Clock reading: 8:37
